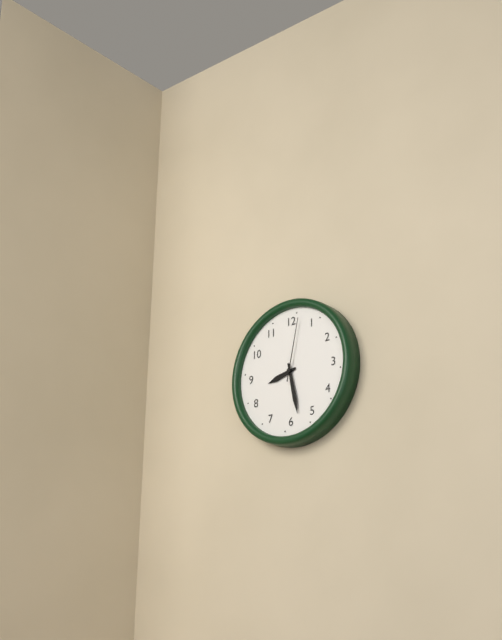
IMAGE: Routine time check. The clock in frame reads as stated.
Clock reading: 8:28:02
